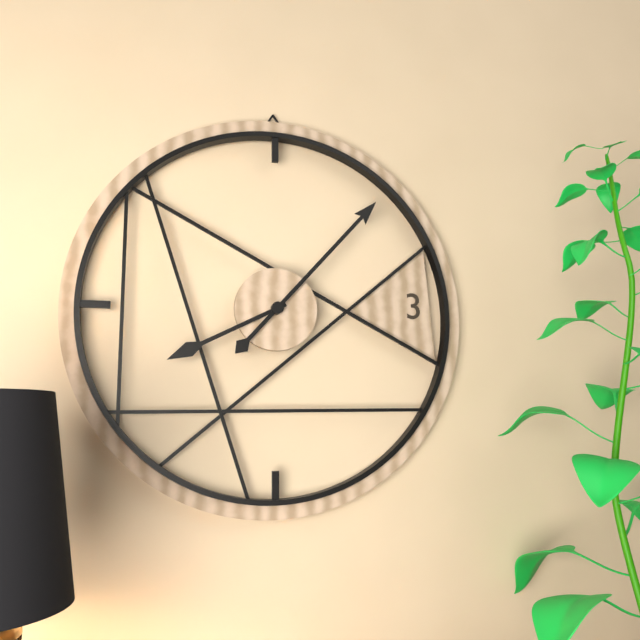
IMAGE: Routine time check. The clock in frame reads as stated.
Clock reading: 8:07
